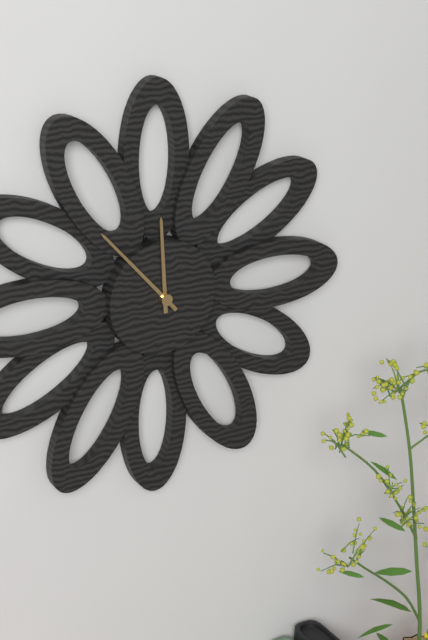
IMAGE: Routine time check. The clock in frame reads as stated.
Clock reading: 11:53
